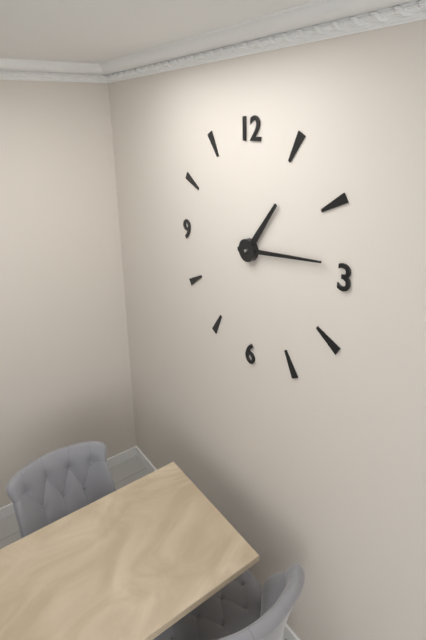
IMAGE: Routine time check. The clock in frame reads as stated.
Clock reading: 1:14
